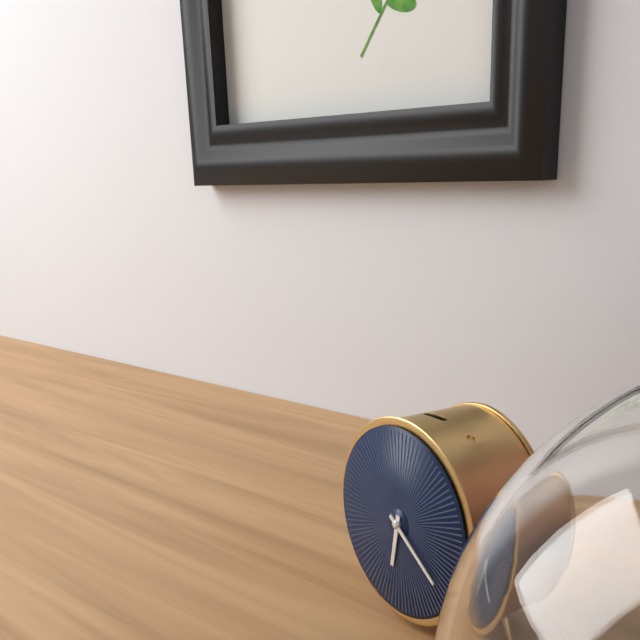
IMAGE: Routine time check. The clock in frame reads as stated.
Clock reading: 6:21
